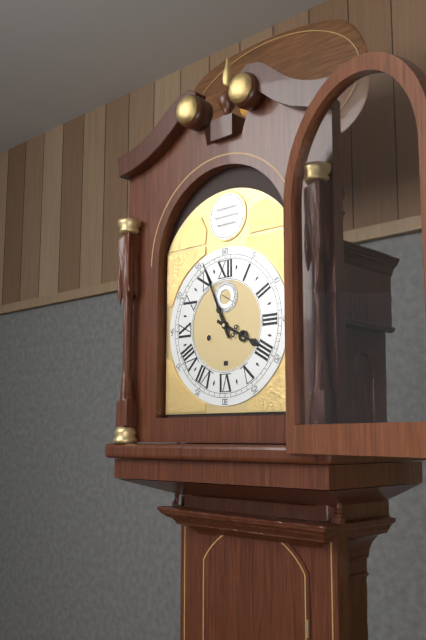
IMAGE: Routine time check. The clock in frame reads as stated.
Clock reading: 3:56
